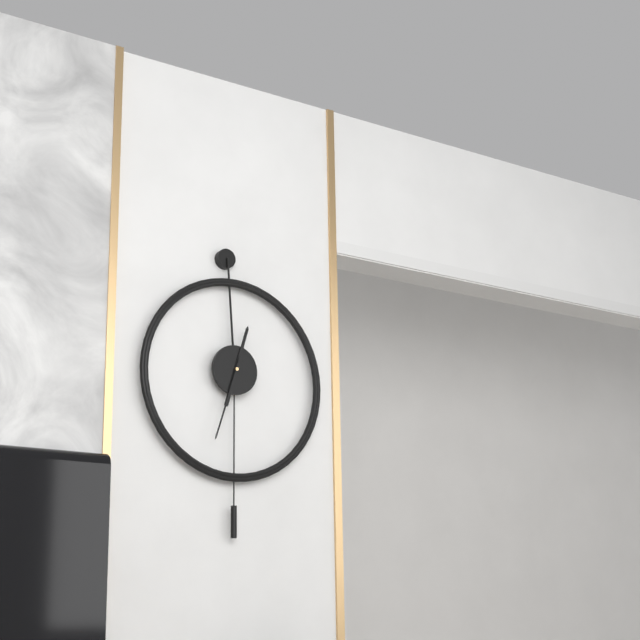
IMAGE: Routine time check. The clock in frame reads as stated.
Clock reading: 12:33
